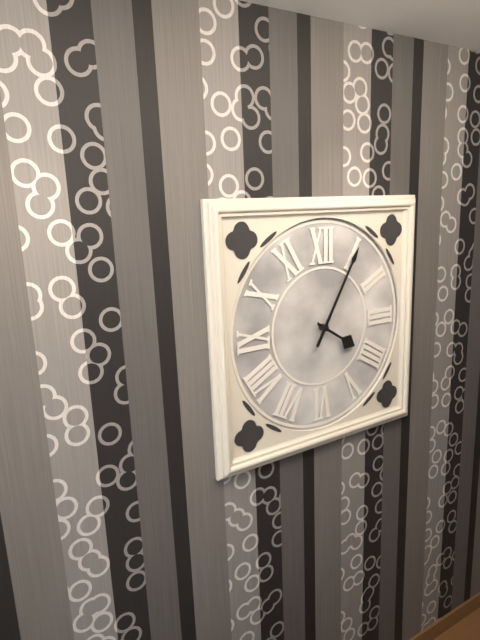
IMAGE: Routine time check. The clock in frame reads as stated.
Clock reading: 4:05
